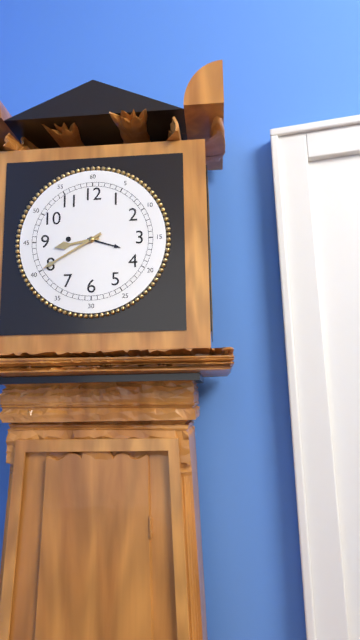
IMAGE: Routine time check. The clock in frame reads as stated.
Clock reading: 8:40
